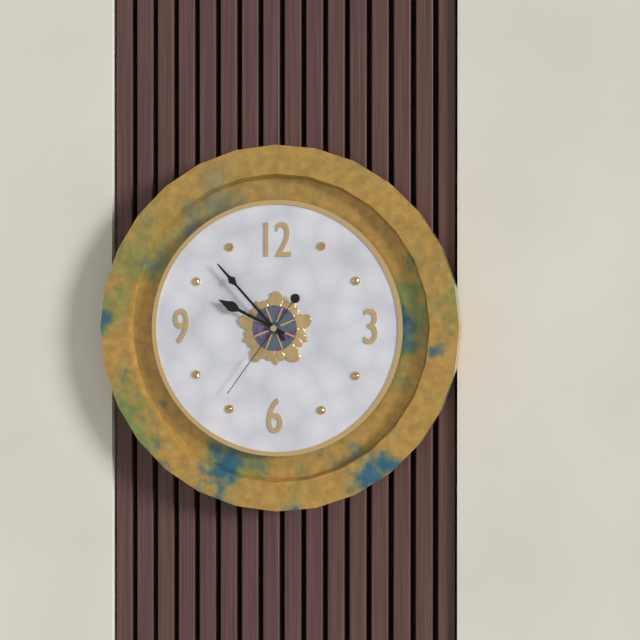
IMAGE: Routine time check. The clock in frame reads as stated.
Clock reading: 9:53:36
